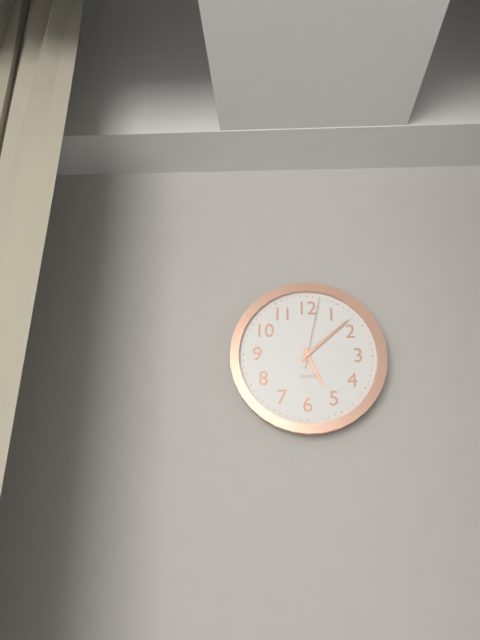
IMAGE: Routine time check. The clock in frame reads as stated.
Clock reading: 5:08:02
